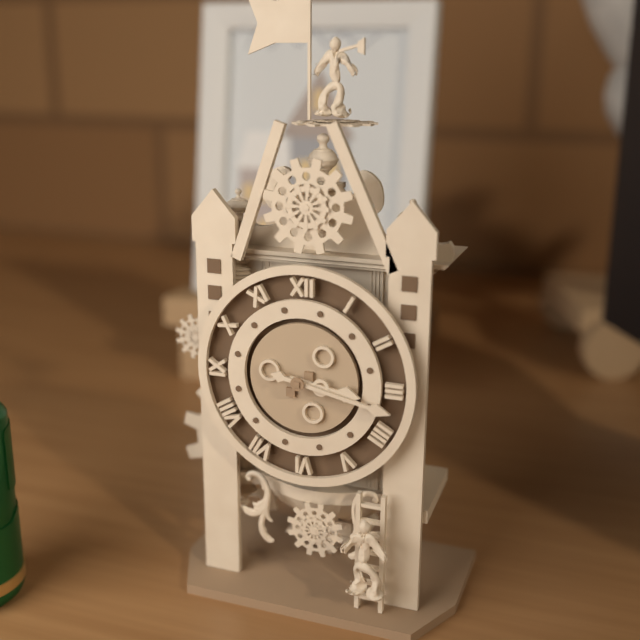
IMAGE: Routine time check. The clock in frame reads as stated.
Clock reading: 3:17
